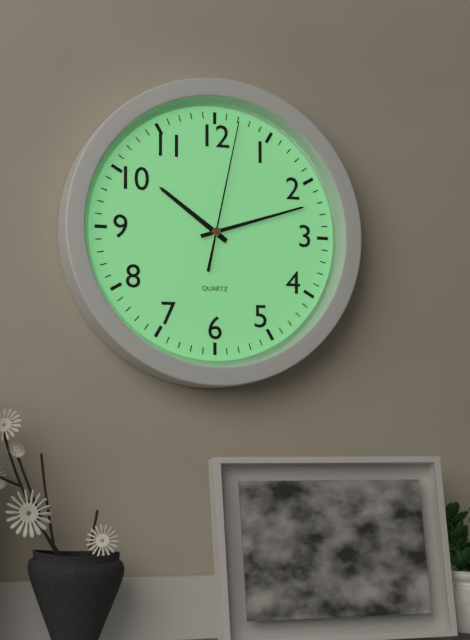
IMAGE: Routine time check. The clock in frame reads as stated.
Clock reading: 10:12:02
